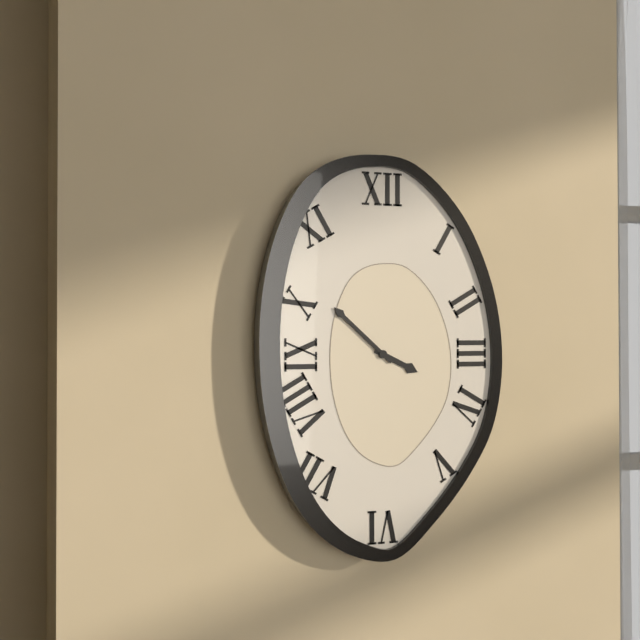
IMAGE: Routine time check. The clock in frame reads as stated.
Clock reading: 3:52
